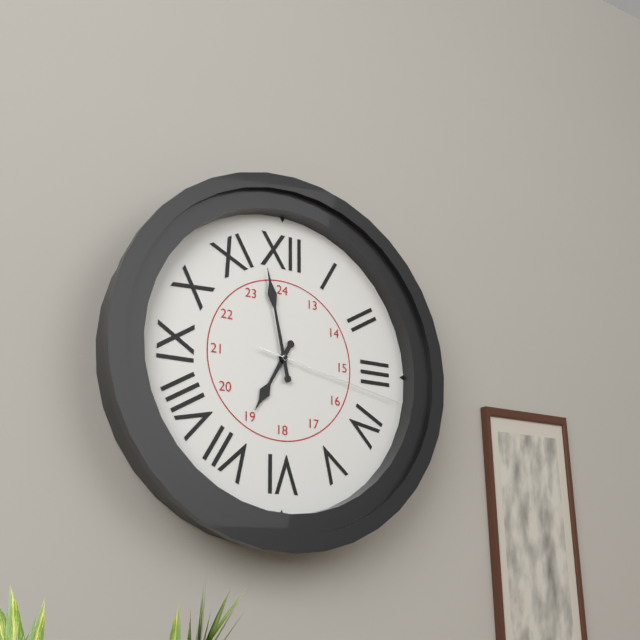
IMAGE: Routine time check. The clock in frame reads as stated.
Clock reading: 6:58:17
